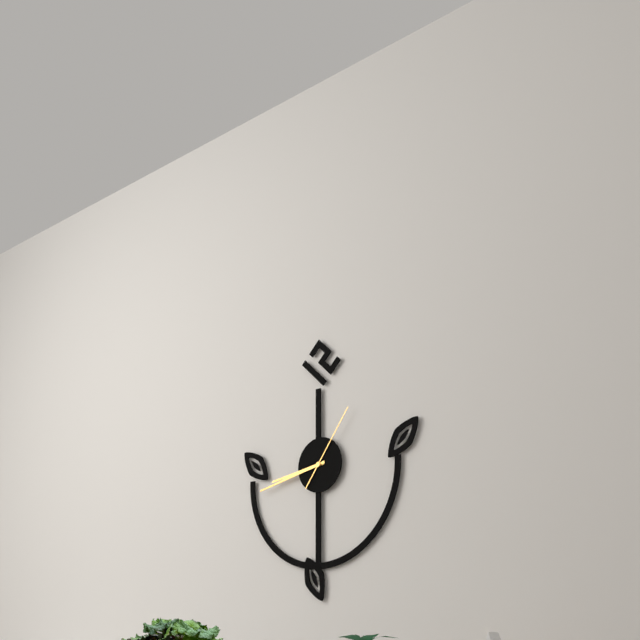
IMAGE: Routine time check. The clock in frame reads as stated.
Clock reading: 8:43:06
